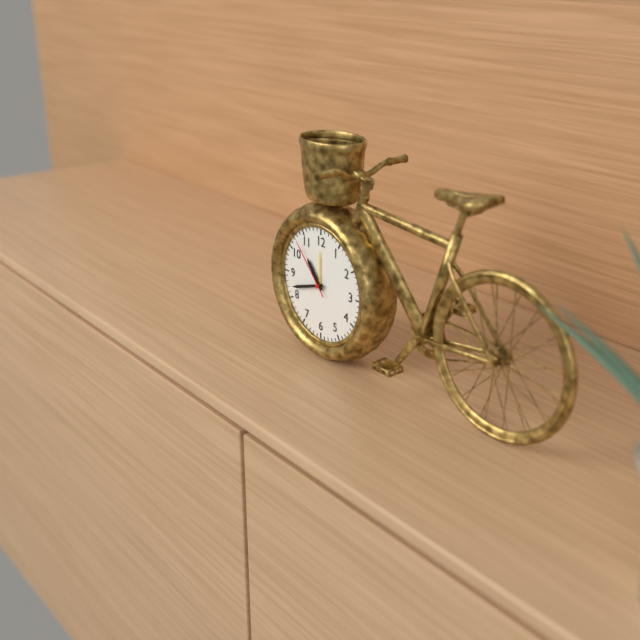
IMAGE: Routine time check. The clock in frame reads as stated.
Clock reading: 10:42:53
